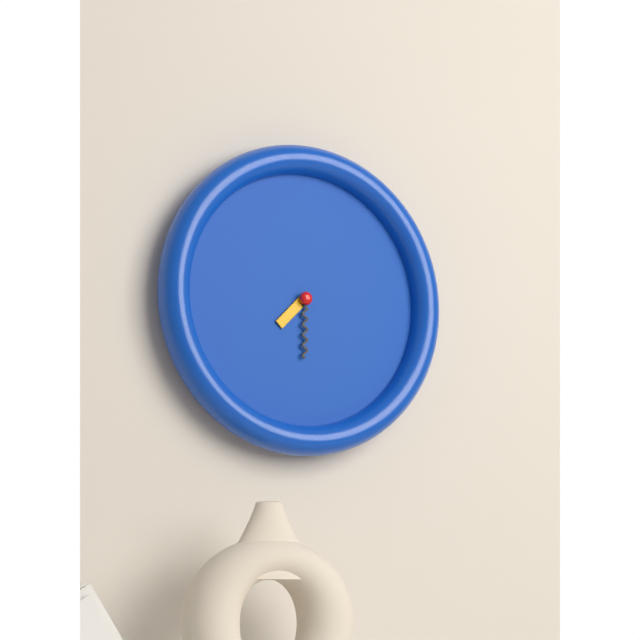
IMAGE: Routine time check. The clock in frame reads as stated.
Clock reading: 7:30
